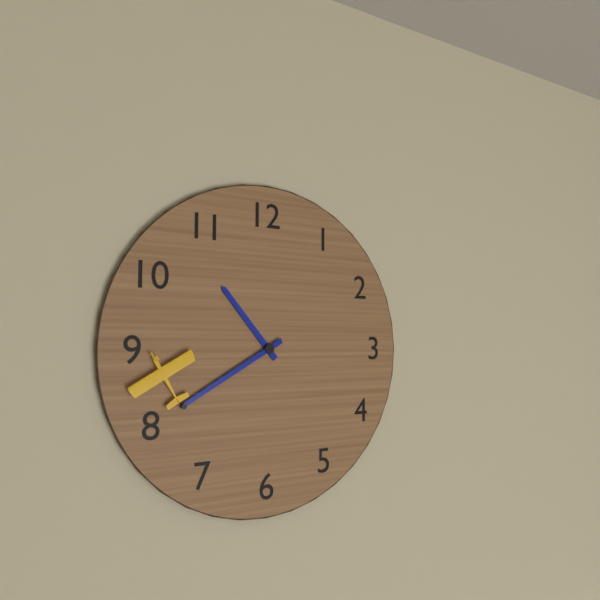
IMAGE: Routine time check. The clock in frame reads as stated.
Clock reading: 10:40
